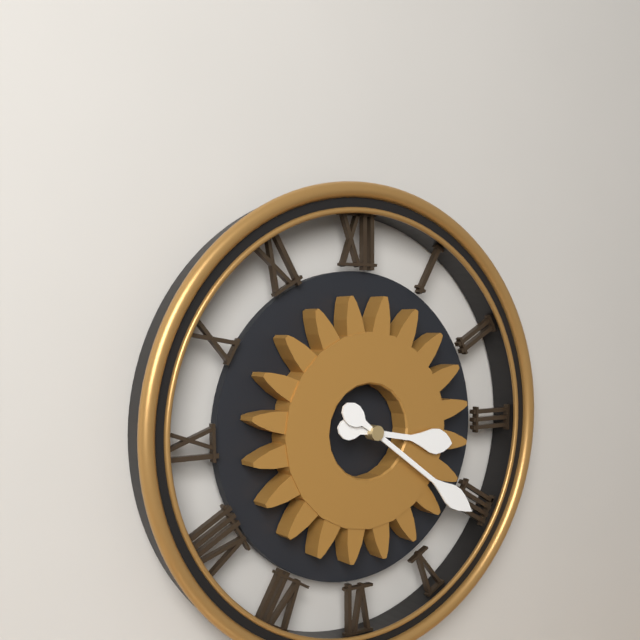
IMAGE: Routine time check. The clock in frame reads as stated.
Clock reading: 3:21
